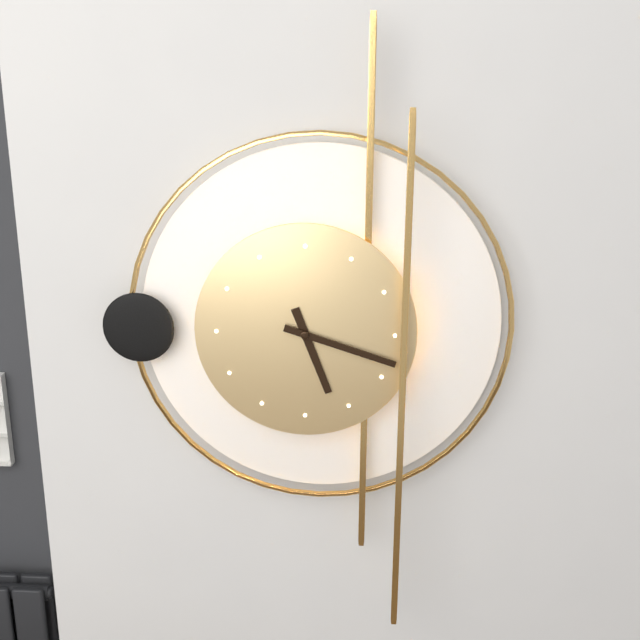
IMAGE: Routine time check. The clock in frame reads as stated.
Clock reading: 5:18
